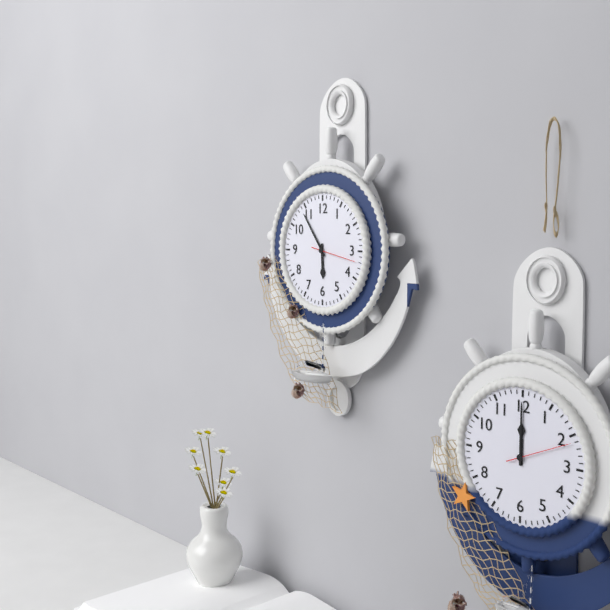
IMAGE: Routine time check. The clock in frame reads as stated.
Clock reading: 5:54
